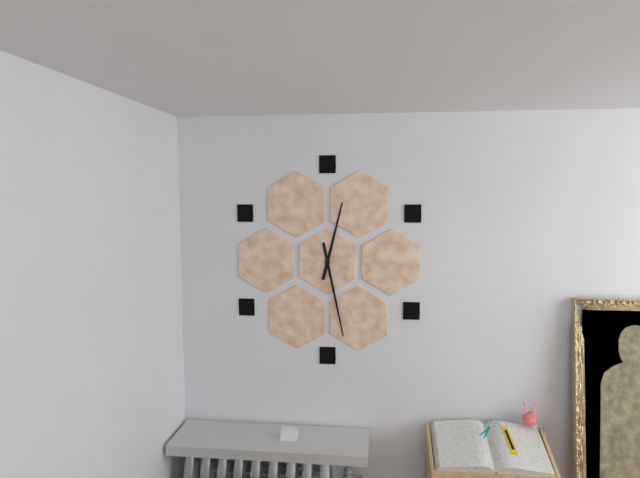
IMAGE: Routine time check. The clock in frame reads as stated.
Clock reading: 12:28
